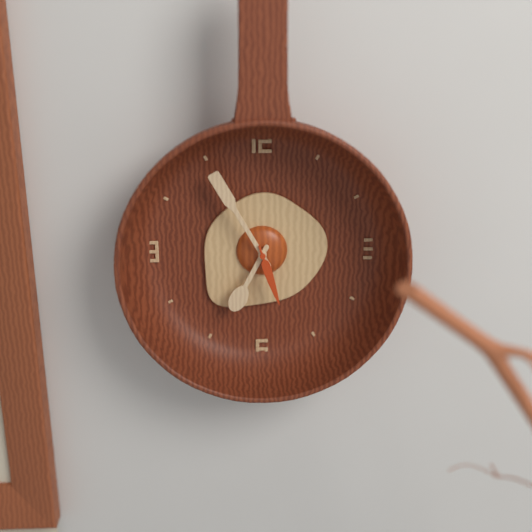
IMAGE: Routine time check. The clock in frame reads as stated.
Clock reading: 6:55:27
